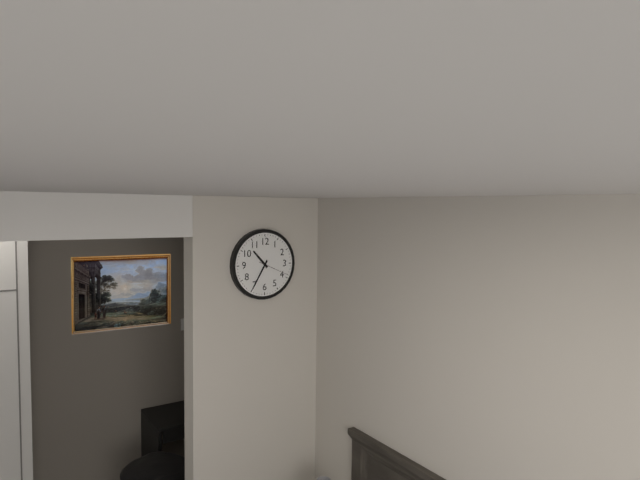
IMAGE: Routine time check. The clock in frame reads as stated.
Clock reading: 10:35
